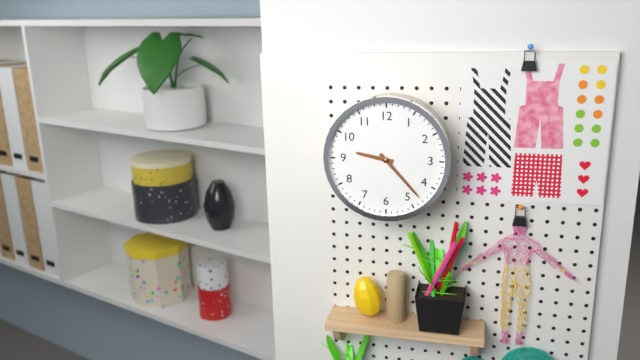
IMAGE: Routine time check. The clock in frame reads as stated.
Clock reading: 9:23
